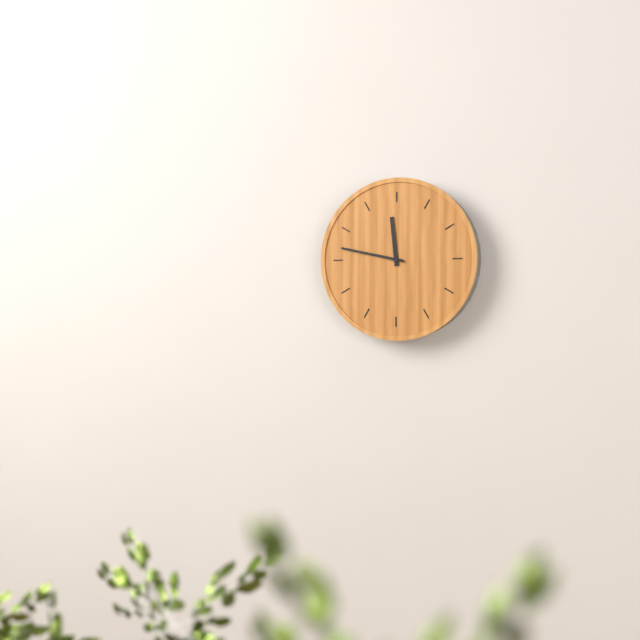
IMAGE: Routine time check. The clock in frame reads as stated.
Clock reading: 11:47
